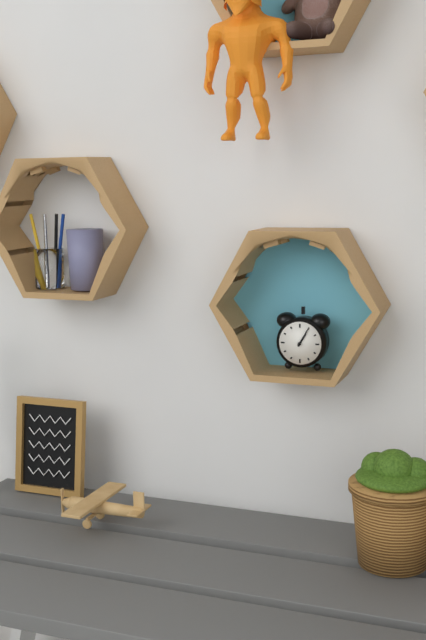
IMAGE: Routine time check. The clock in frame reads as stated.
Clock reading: 1:05
